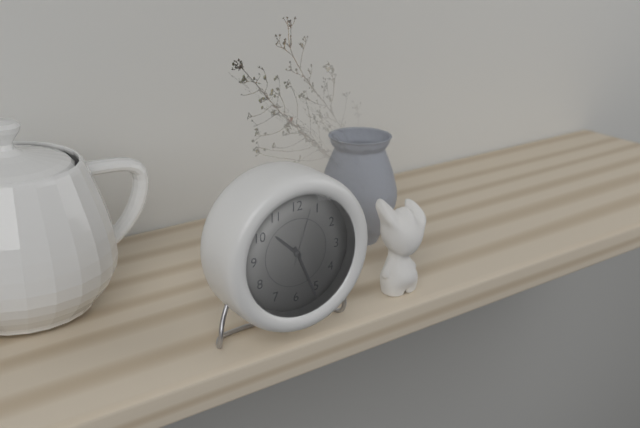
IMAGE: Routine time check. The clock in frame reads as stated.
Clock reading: 10:26:03
